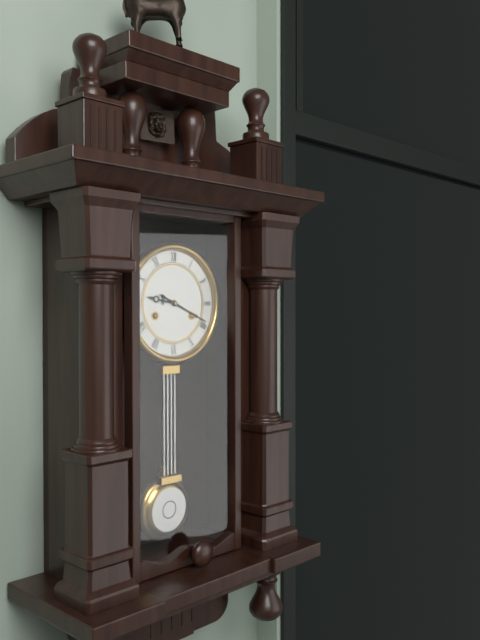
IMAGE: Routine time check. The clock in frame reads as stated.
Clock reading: 9:19
